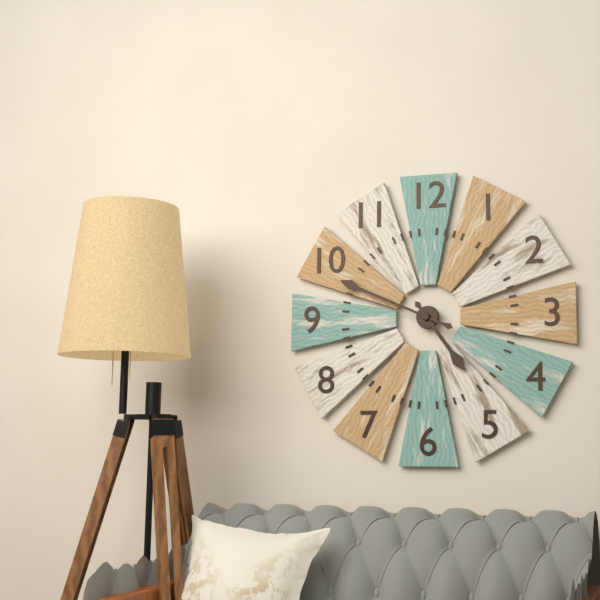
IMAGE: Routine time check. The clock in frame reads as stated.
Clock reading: 4:49
